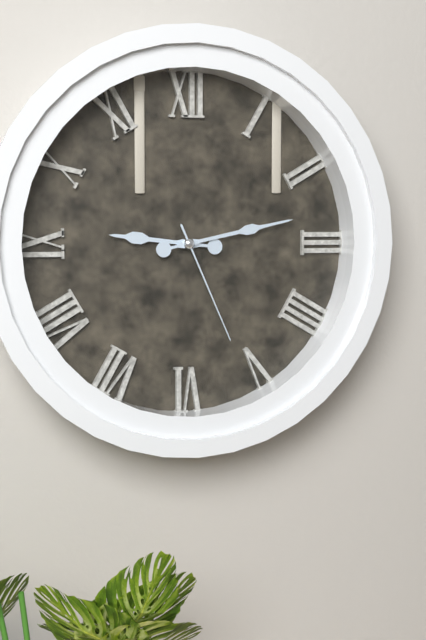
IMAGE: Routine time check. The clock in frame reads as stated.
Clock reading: 9:13:26
